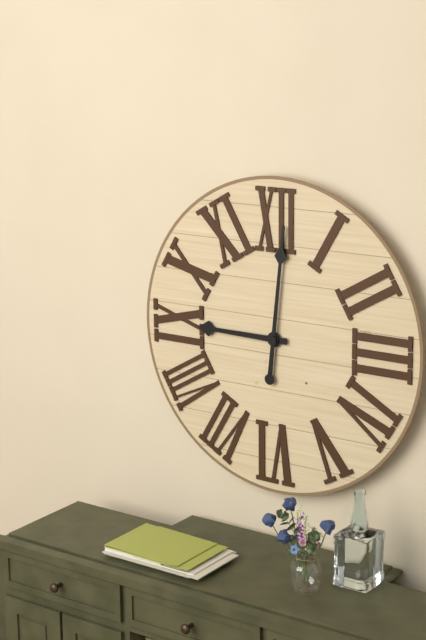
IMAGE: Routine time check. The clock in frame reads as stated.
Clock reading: 9:01
